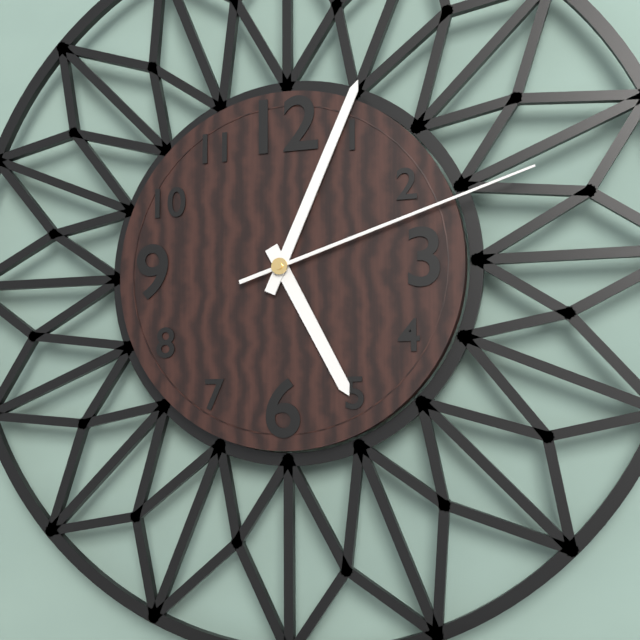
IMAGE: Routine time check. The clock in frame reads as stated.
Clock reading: 5:04:12
